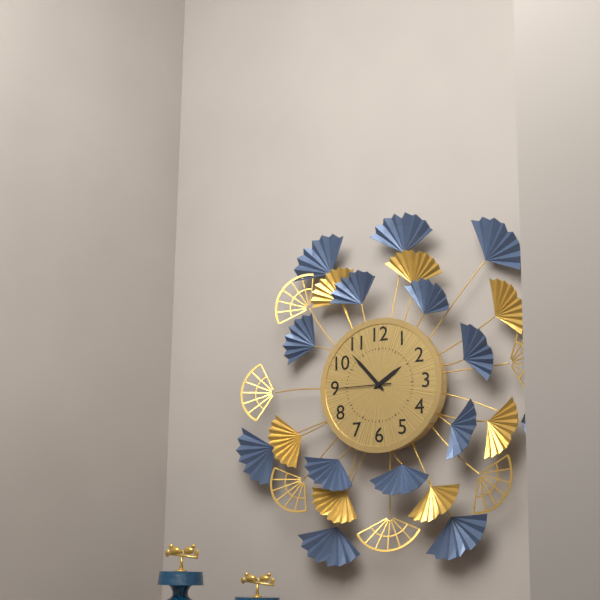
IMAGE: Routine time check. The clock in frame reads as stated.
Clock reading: 1:53:45
